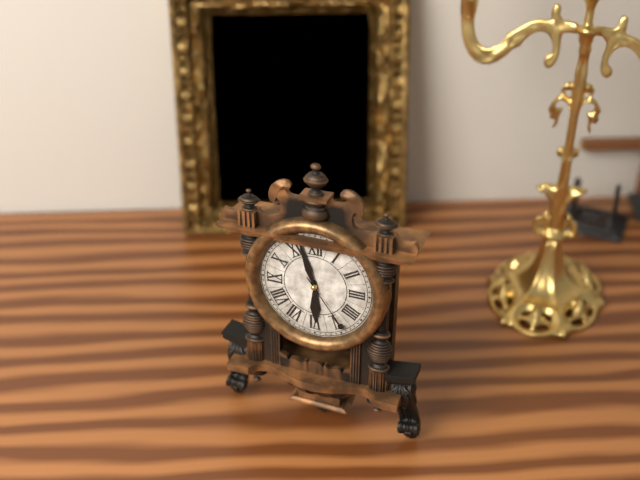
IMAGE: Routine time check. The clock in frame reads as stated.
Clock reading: 5:57:24
